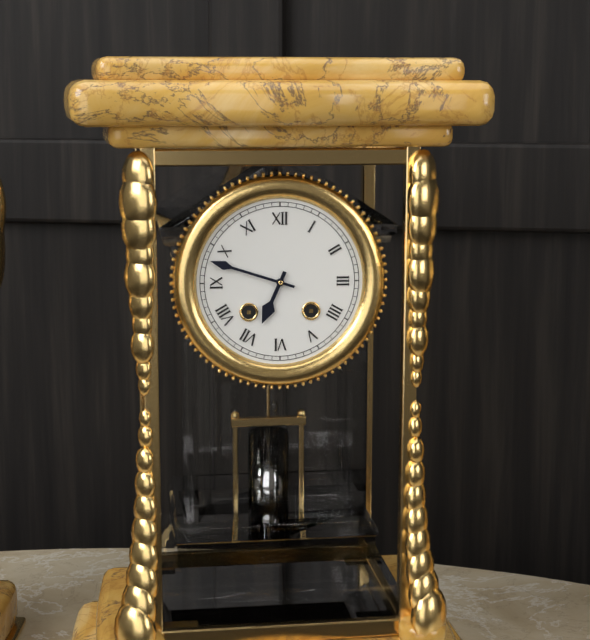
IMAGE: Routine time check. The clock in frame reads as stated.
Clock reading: 6:48
